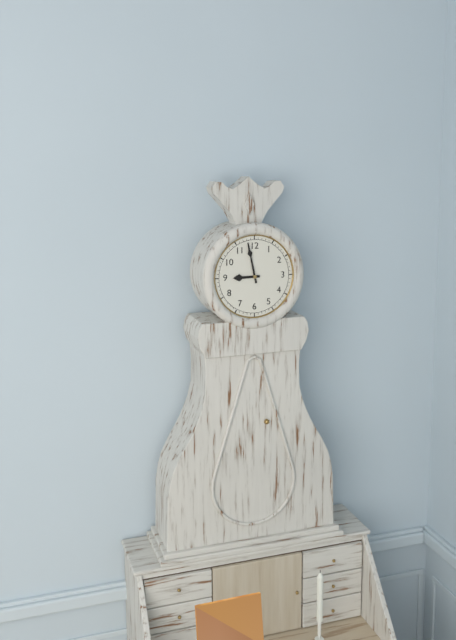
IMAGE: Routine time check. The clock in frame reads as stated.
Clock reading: 8:58
